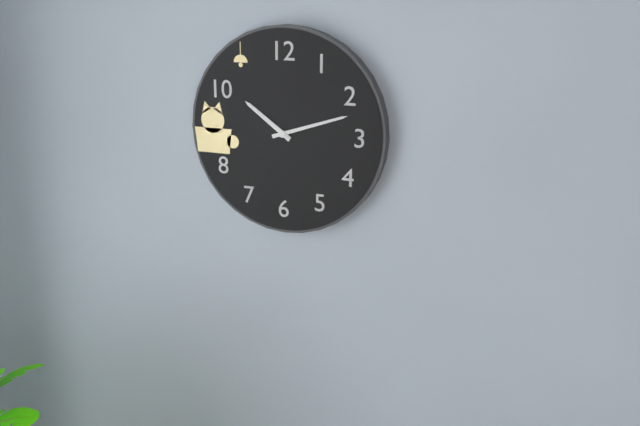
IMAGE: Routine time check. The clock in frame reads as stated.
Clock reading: 10:12
